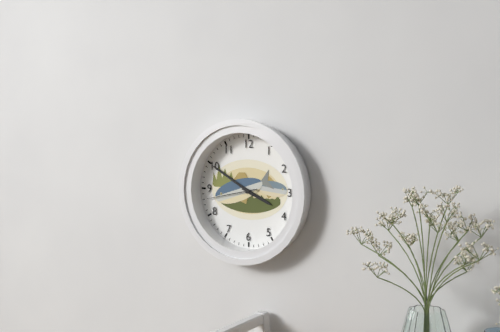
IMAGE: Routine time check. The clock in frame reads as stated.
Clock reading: 3:50:43
